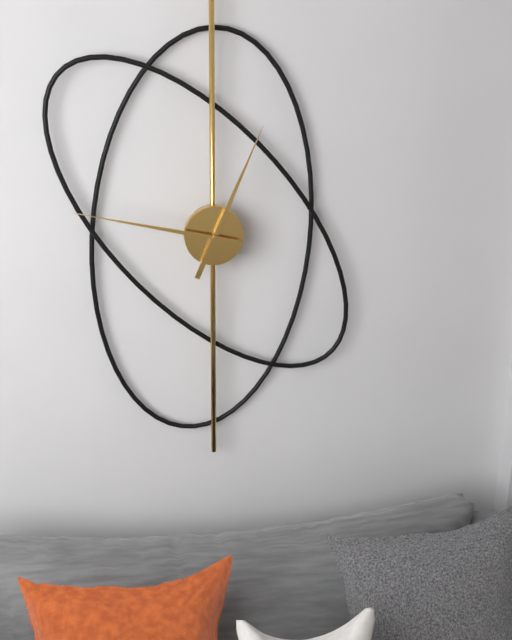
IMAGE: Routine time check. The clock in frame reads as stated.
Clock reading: 12:47
